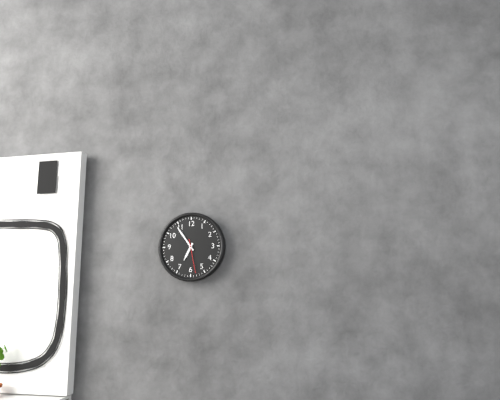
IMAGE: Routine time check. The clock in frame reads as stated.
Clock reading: 6:54
